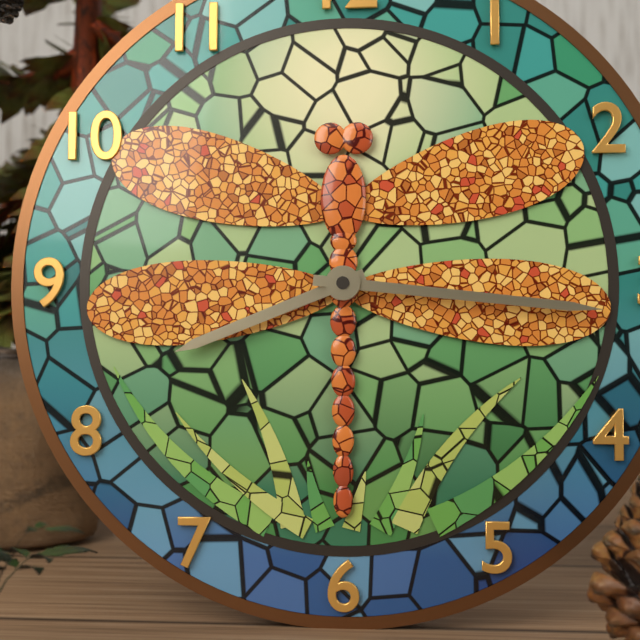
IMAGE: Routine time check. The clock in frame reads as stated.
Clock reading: 8:16
